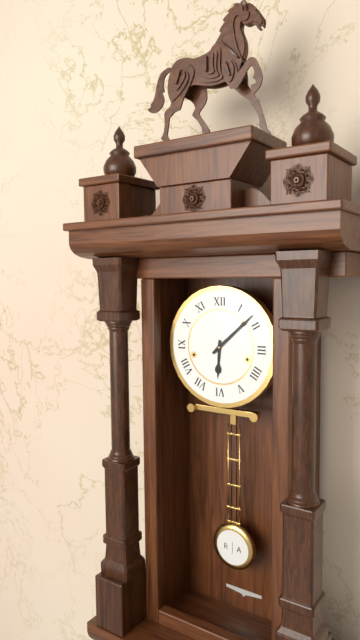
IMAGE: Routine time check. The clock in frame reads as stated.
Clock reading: 6:08
